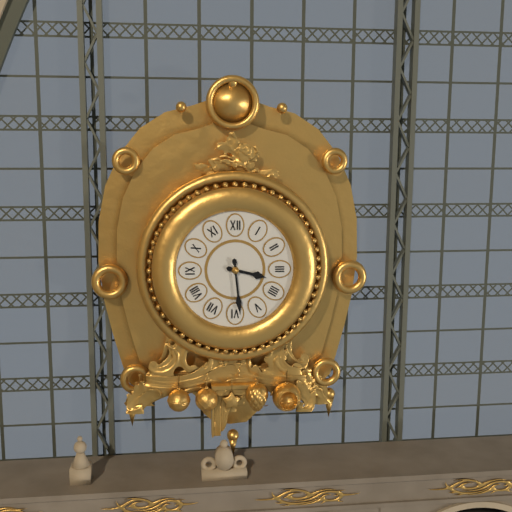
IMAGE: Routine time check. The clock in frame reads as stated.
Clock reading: 3:29
